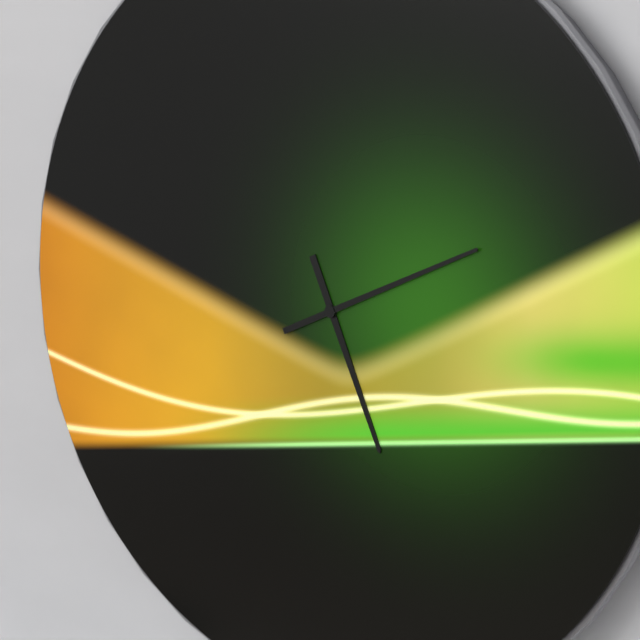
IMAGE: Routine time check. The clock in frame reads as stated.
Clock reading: 5:11
